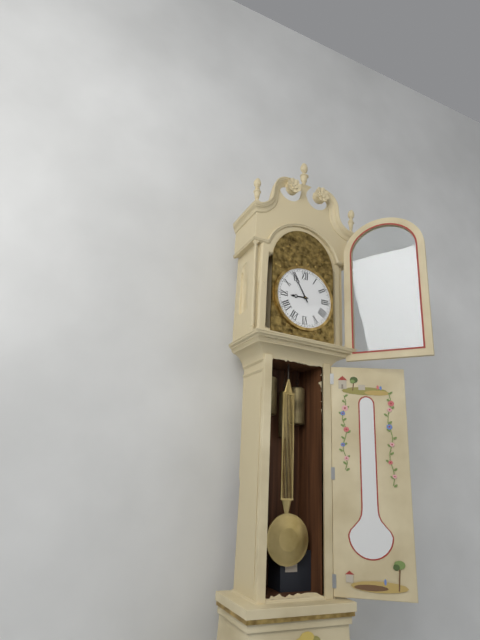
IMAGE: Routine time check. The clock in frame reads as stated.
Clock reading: 8:55
